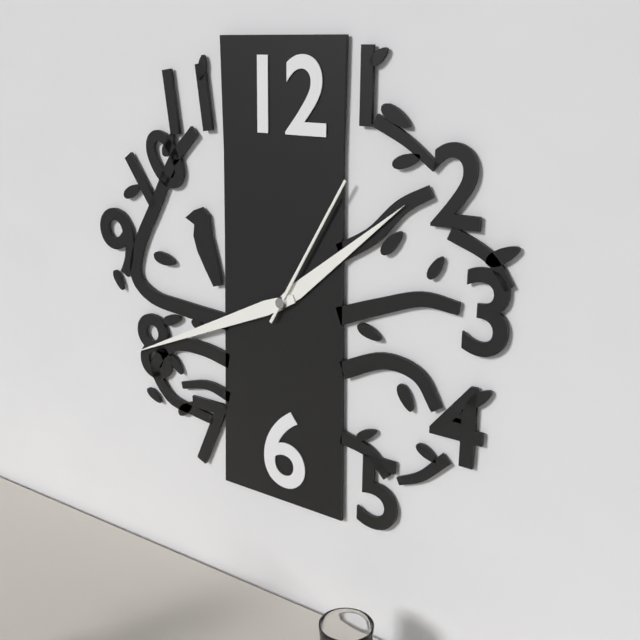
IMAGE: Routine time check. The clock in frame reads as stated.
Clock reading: 1:41:05
